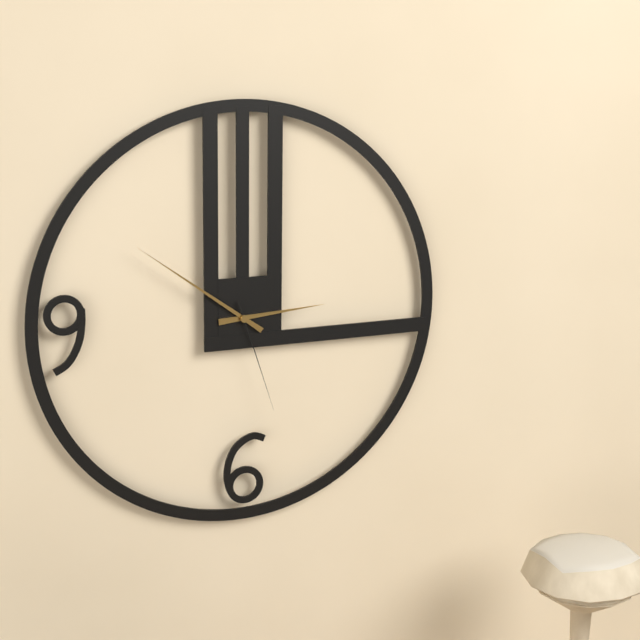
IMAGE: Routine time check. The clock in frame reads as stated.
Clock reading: 2:51:27
